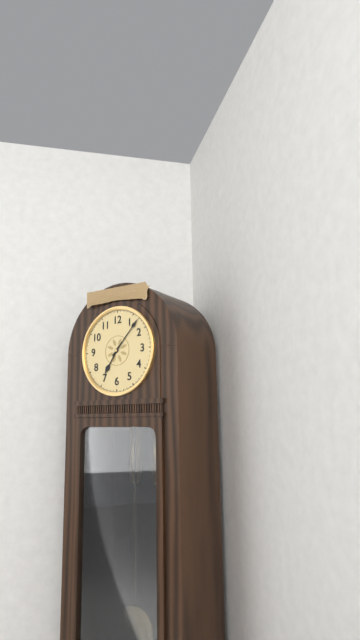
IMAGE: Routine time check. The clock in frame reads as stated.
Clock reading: 7:07
